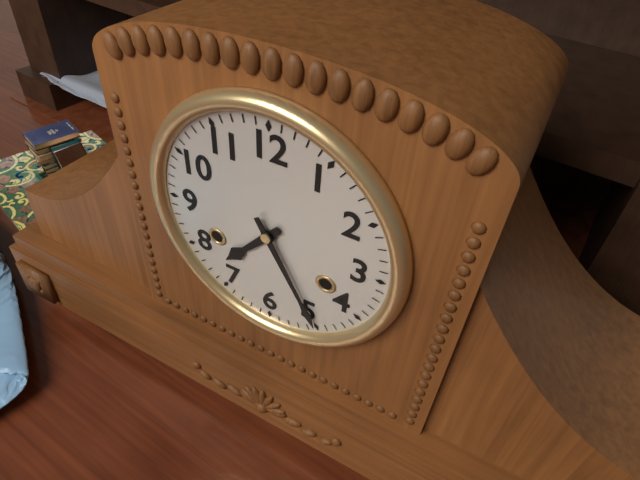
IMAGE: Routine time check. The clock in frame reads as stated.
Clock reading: 7:25
